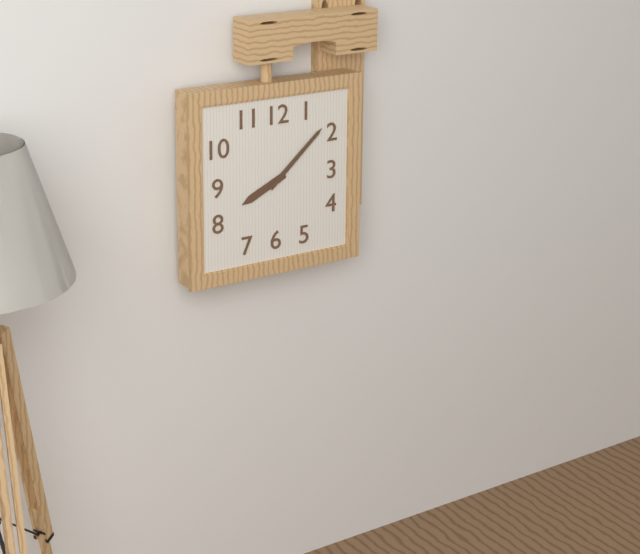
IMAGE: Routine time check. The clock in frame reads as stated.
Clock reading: 8:08
